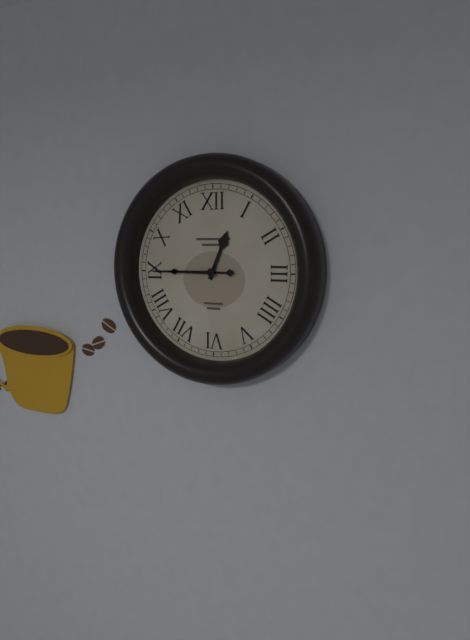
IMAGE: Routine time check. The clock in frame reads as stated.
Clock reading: 12:45
